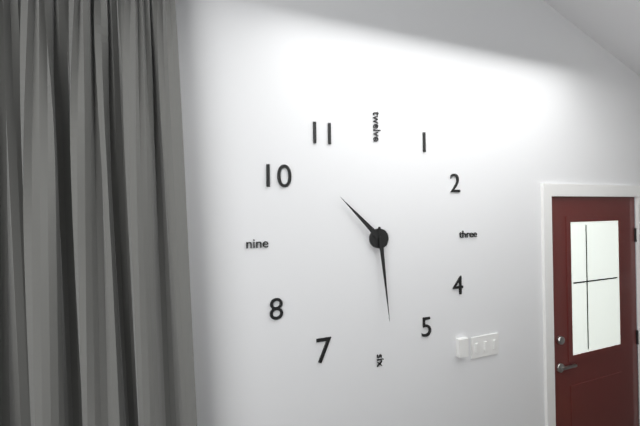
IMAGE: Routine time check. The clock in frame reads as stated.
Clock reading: 10:29
